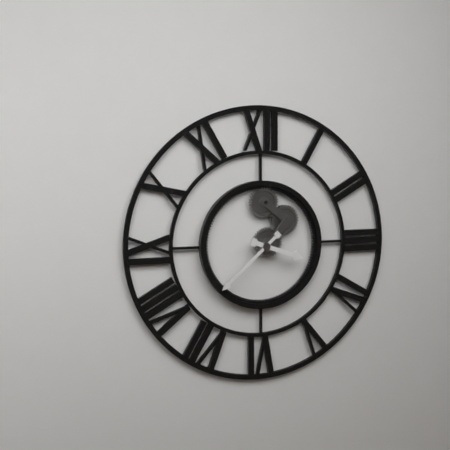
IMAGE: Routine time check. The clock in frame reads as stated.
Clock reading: 3:38
